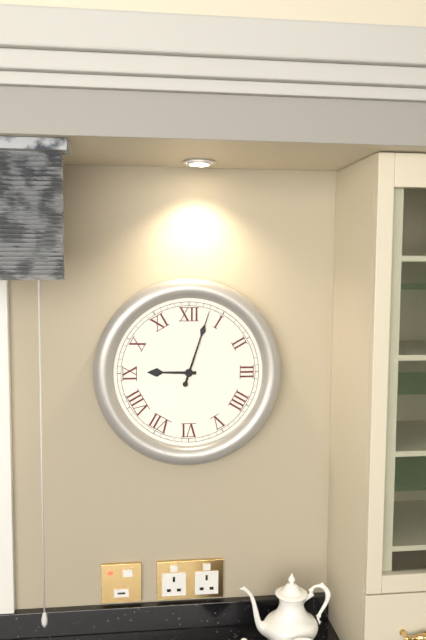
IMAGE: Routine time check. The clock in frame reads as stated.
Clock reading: 9:03
